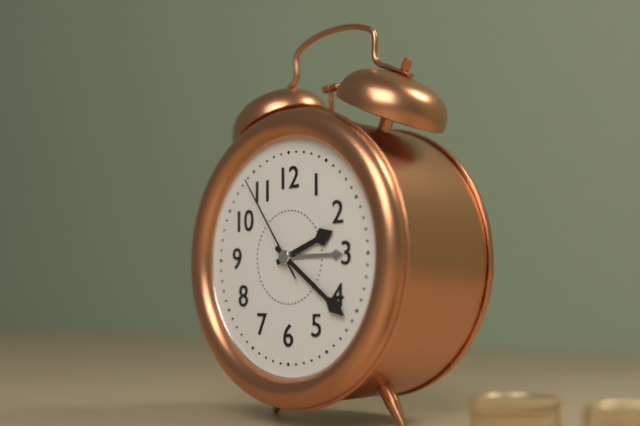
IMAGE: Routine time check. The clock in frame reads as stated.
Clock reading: 2:21:54
